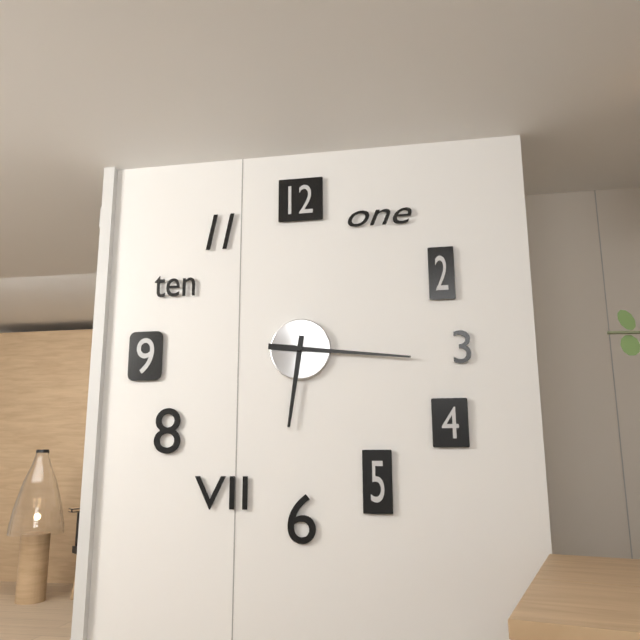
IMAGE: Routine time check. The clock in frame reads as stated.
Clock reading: 6:16
